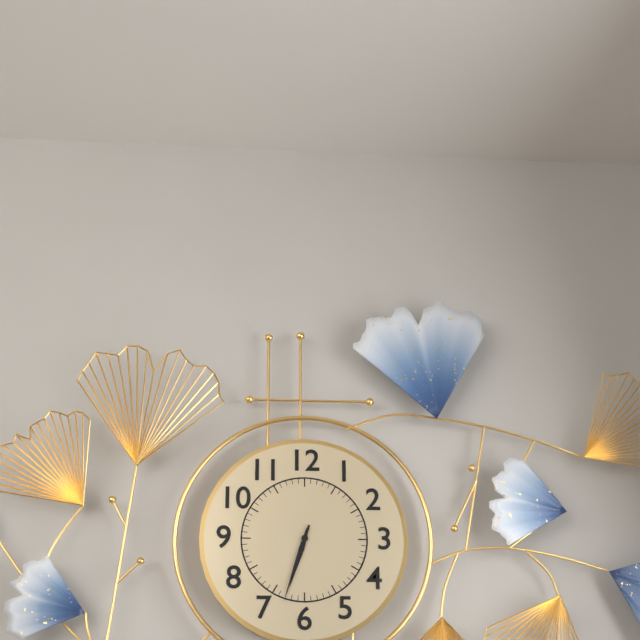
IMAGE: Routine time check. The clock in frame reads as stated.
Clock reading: 6:33
